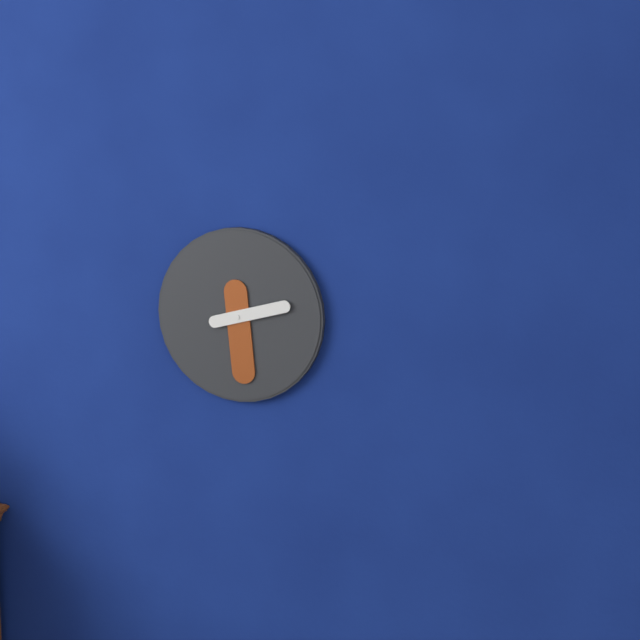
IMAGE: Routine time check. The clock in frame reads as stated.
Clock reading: 2:29
